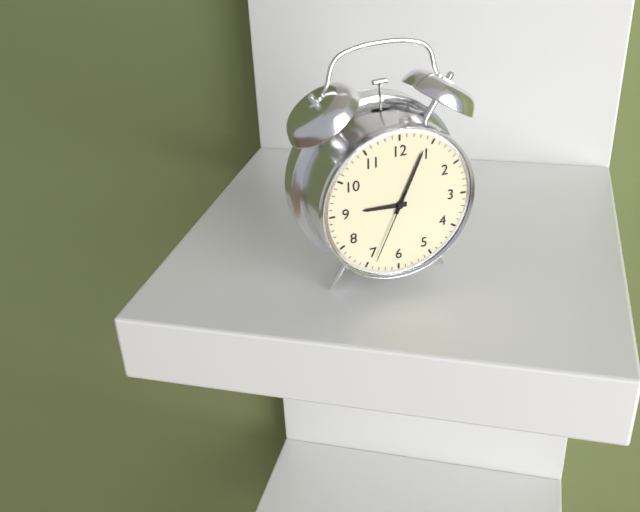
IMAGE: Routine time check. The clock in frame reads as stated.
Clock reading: 9:04:34
